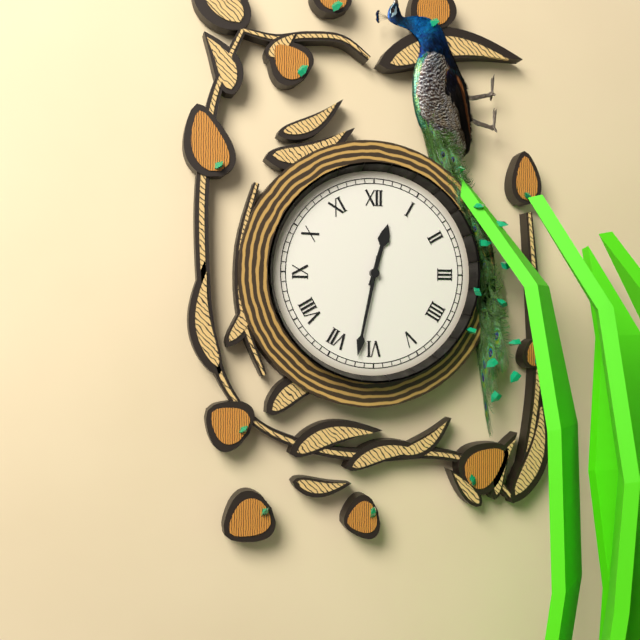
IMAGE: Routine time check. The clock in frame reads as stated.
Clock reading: 12:32
